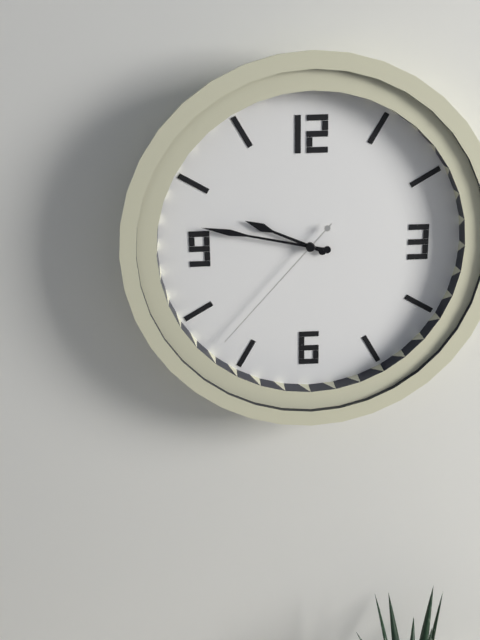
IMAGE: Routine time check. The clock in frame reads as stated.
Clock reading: 9:47:37
